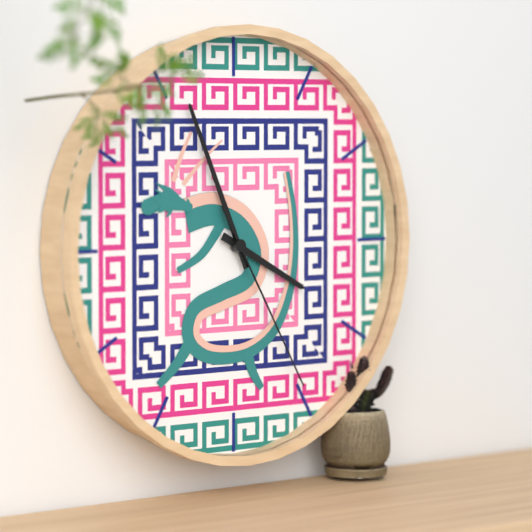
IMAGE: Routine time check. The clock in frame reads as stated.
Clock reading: 3:56:25
